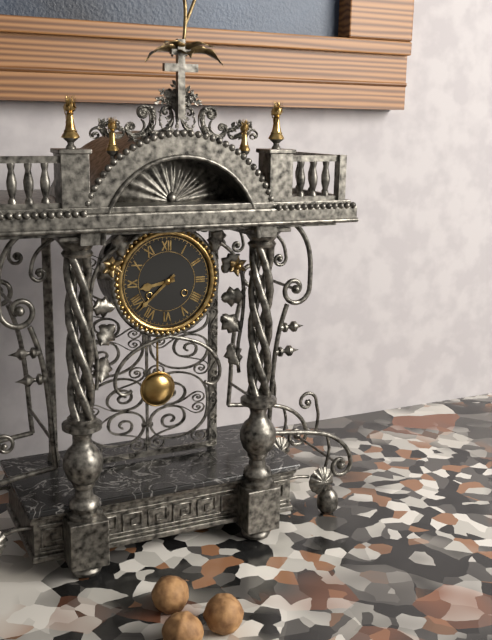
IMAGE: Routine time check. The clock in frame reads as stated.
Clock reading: 8:38
